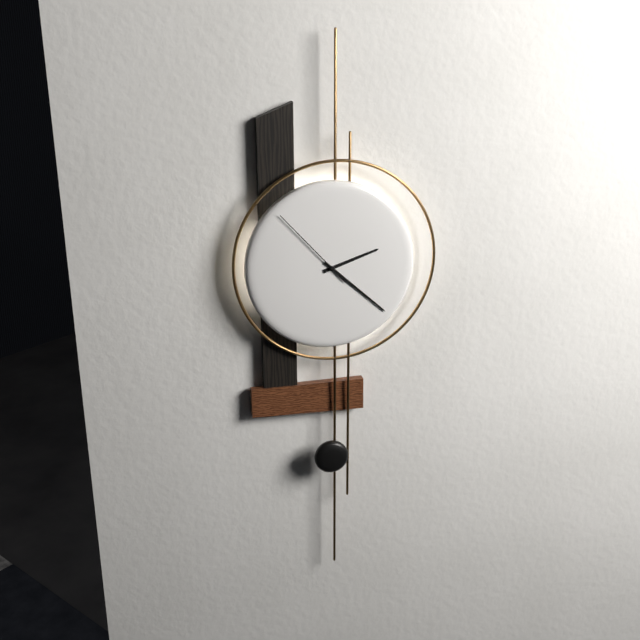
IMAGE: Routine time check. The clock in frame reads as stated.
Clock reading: 2:22:53
